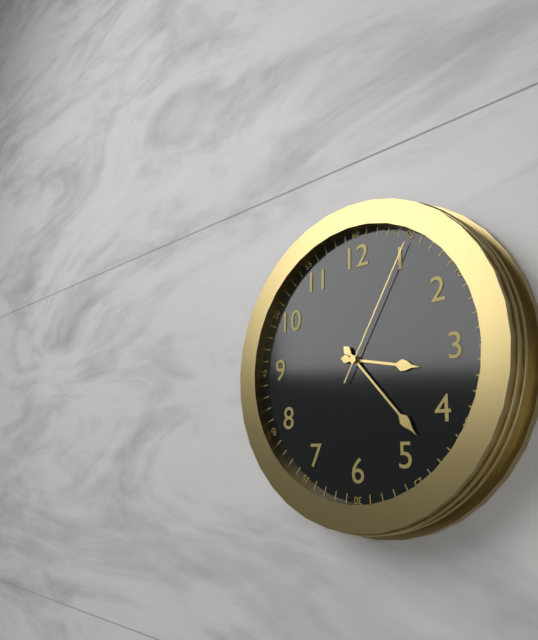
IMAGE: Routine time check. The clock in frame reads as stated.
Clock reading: 3:23:05
